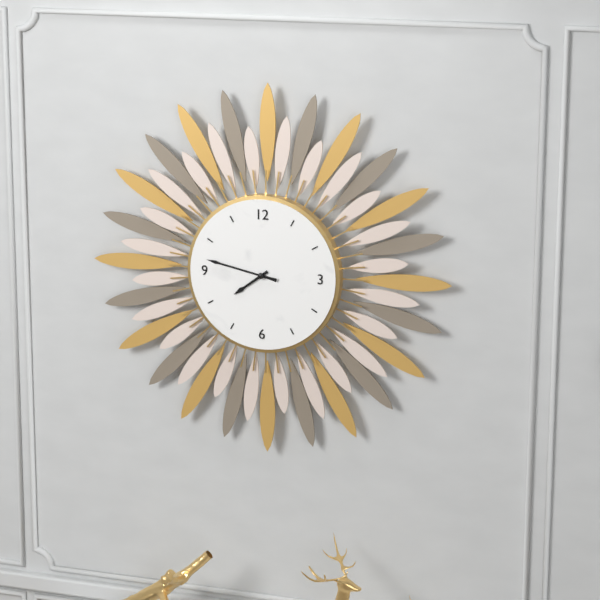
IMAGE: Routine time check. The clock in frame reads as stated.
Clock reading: 7:47
